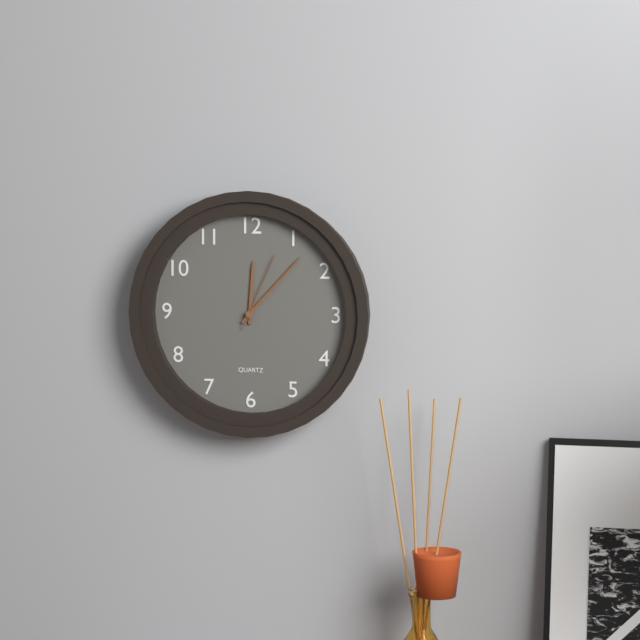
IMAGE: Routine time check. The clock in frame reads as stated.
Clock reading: 12:07:04
